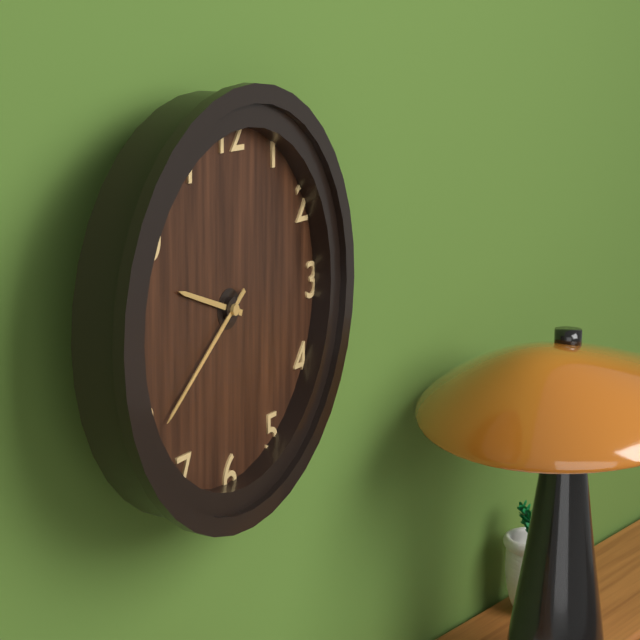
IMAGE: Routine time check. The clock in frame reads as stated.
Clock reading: 9:39
